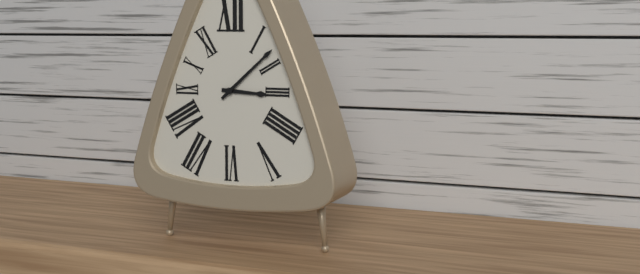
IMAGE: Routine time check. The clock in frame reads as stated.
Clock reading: 3:08
